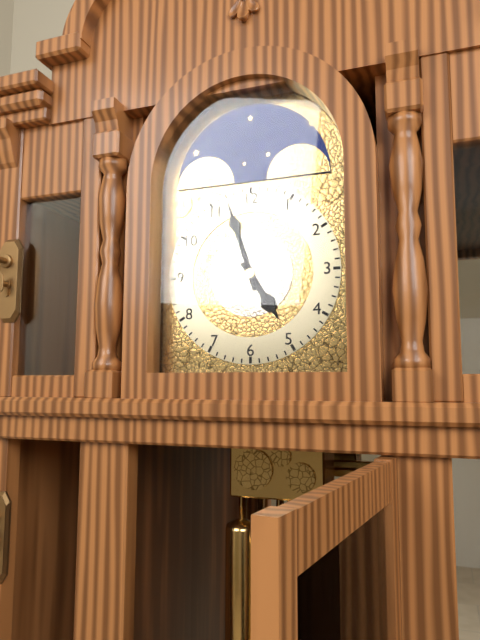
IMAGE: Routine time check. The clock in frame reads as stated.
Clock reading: 4:57
